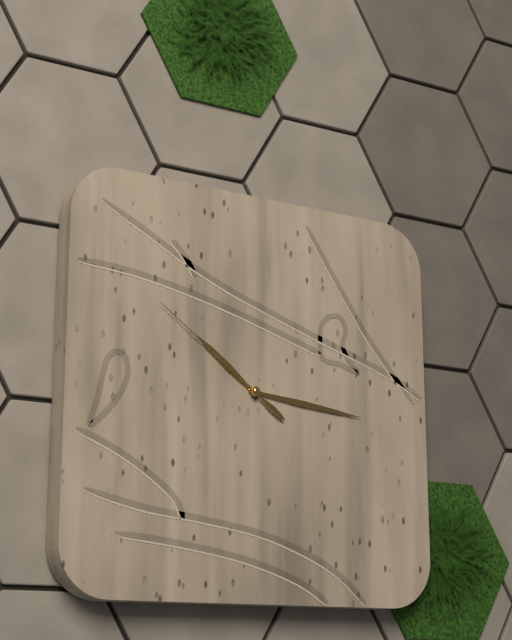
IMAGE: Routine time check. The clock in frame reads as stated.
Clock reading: 10:16:51
